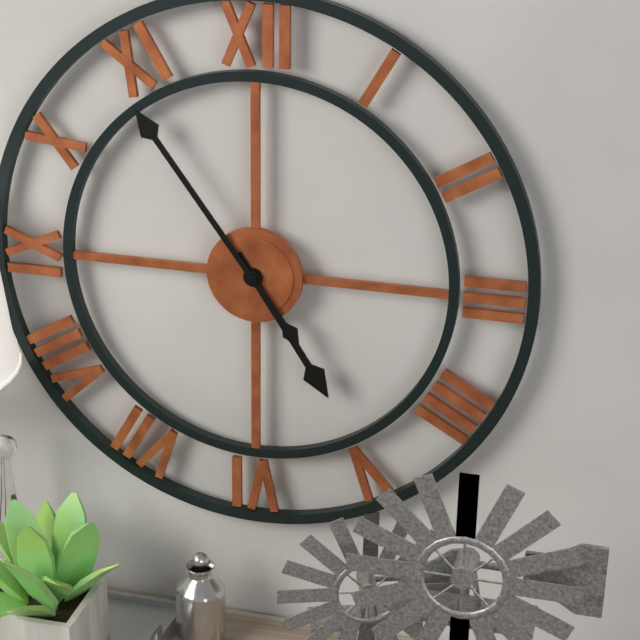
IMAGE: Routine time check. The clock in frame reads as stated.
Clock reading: 4:54
